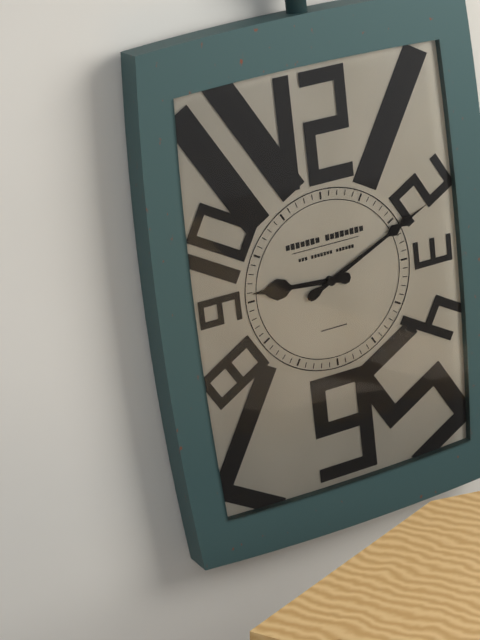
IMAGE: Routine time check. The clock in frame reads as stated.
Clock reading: 9:11
